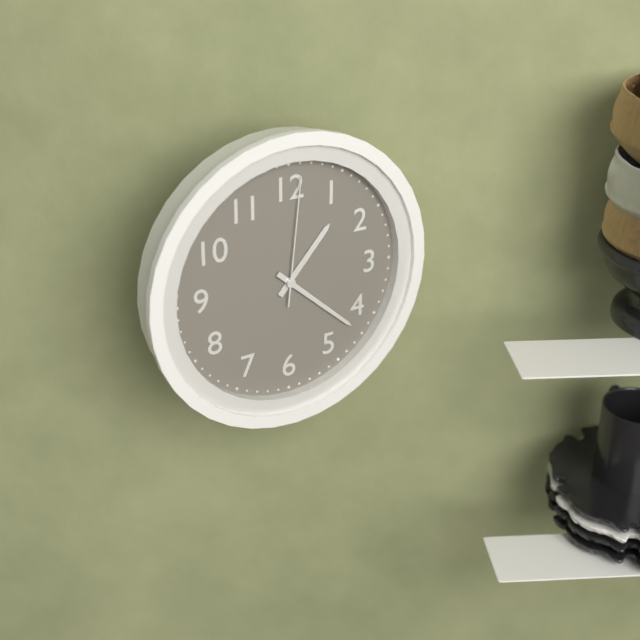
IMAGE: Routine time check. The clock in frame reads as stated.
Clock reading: 1:22:01
